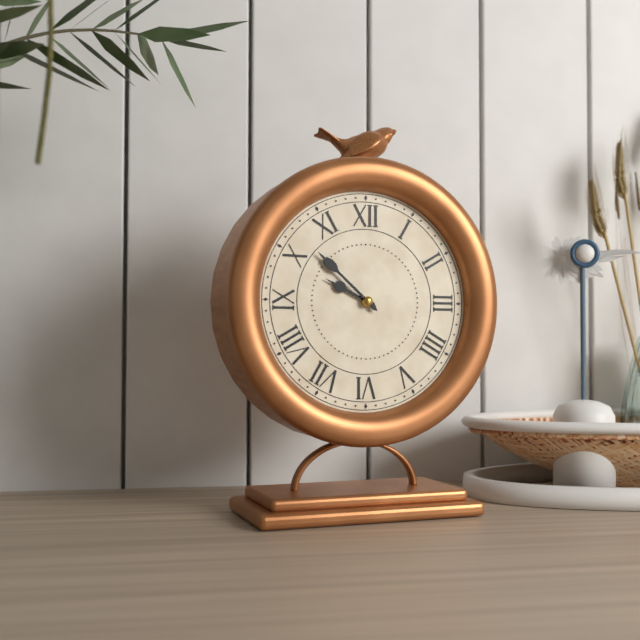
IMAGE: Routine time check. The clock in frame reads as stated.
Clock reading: 9:52
